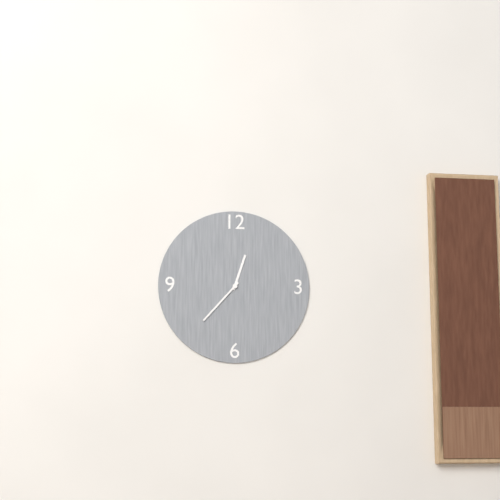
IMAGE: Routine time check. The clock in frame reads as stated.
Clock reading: 12:37
